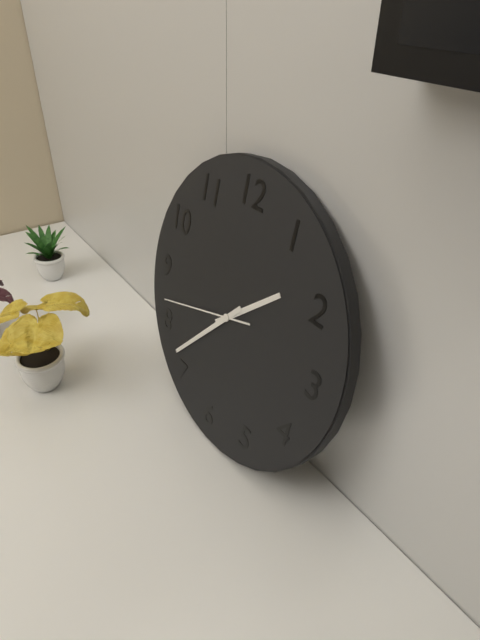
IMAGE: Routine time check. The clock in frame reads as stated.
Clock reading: 1:37:42
